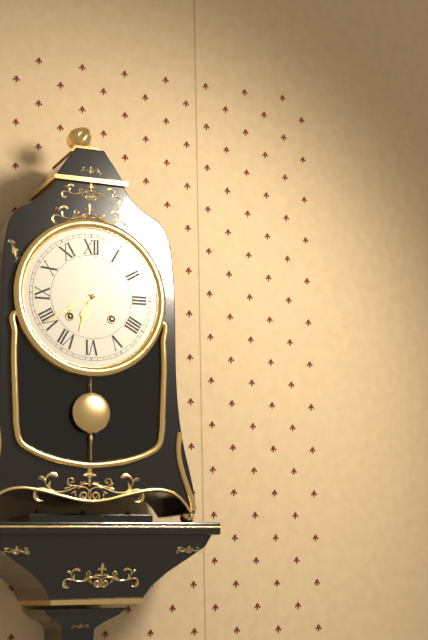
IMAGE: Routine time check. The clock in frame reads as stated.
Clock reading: 6:40
